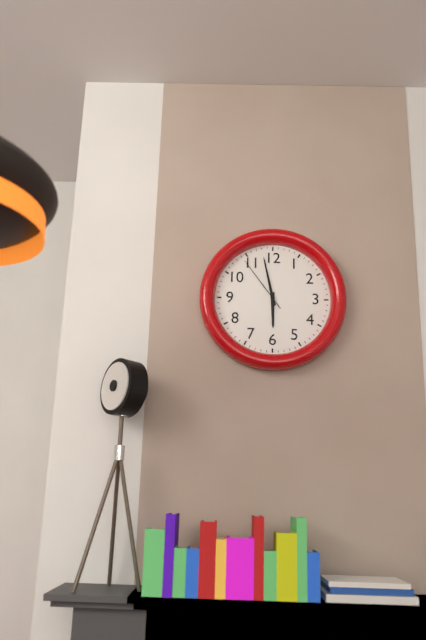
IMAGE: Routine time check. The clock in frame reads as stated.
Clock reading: 5:58:54
